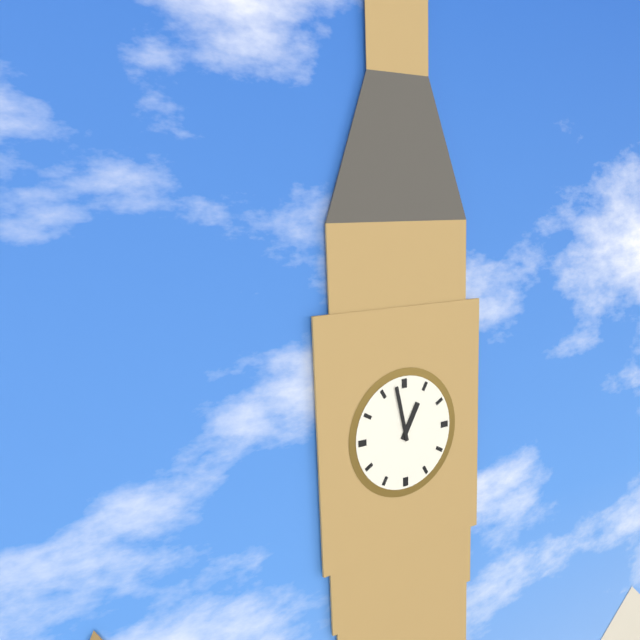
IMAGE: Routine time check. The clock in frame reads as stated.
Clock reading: 12:58
